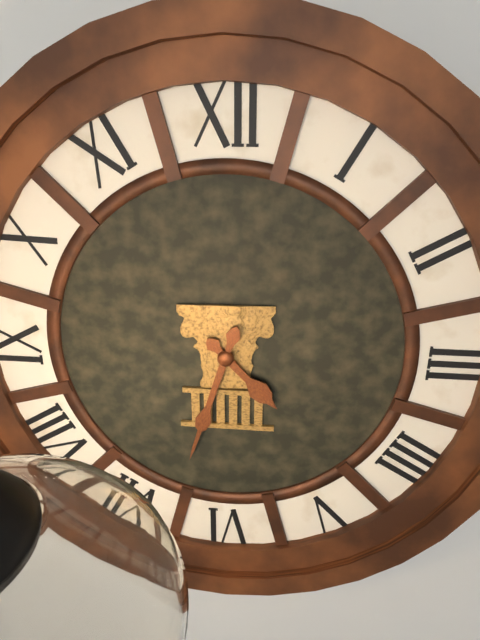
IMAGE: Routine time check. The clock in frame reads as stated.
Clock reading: 4:33
